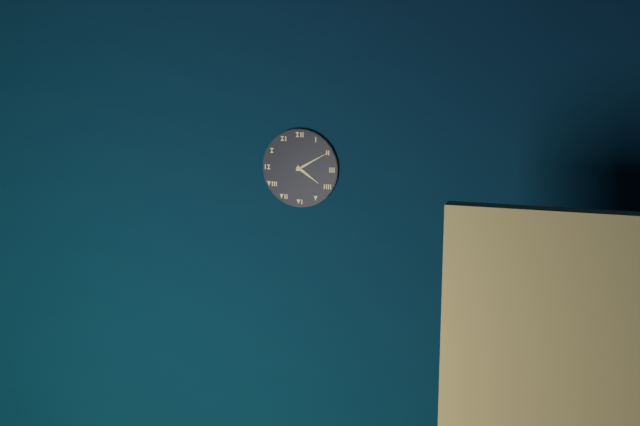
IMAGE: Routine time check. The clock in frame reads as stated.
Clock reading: 4:10
